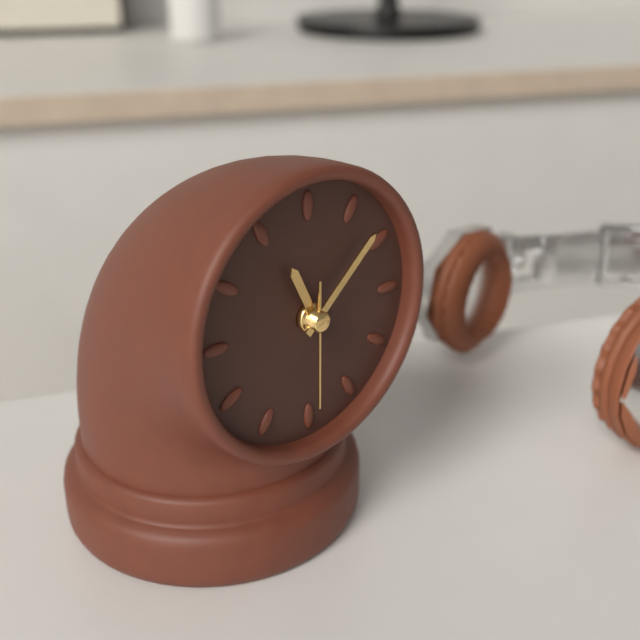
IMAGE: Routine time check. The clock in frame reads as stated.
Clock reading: 11:08:30
